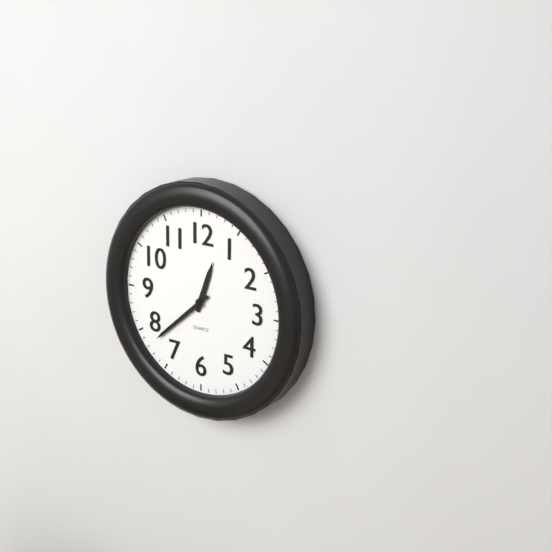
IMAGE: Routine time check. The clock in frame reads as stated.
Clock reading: 12:38
